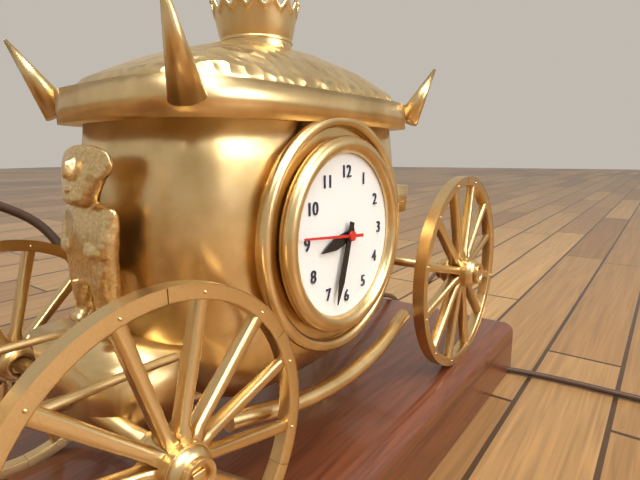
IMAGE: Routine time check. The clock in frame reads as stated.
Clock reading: 8:33:46
